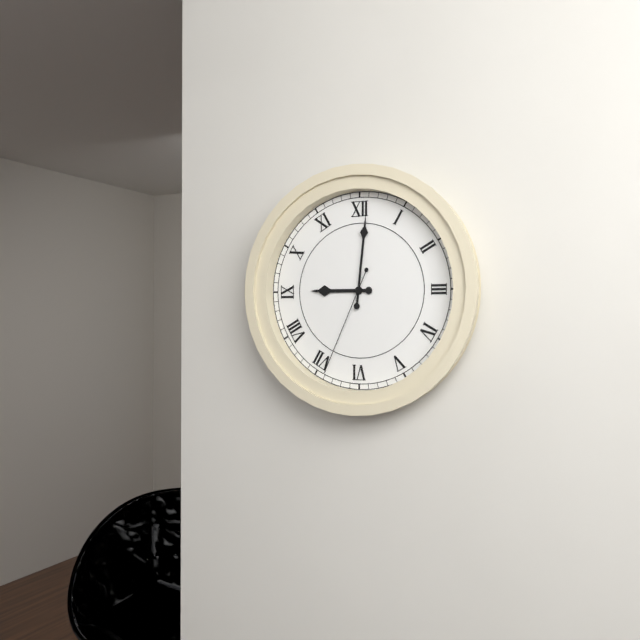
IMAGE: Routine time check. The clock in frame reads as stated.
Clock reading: 9:01:34
